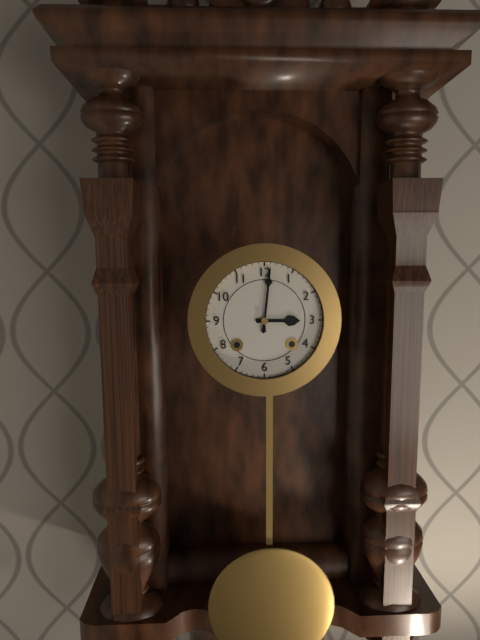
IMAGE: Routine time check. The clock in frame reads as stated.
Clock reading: 3:01
